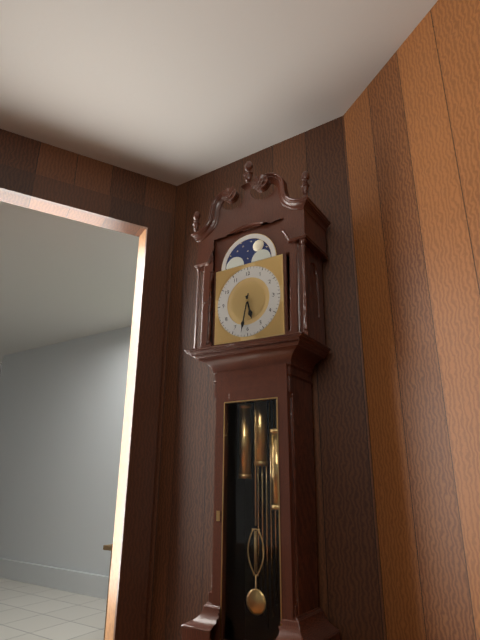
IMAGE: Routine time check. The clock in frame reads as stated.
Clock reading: 5:32
